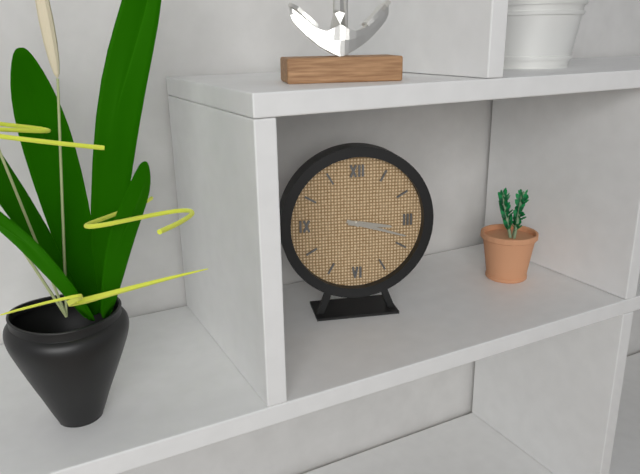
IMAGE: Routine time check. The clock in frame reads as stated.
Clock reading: 3:18
